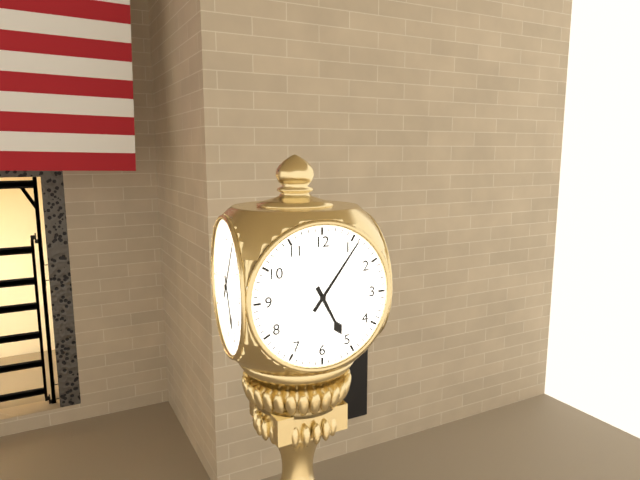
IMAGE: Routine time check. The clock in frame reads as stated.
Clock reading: 5:06
